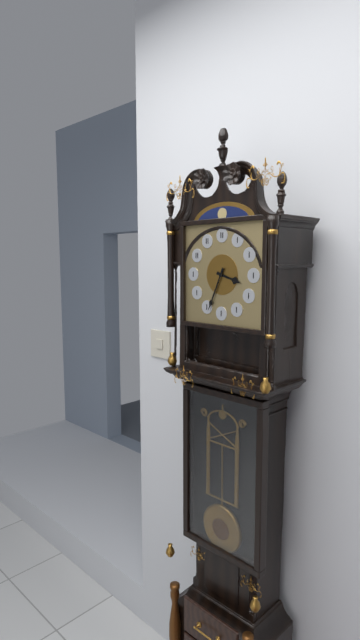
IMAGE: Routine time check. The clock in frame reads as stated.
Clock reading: 3:34
